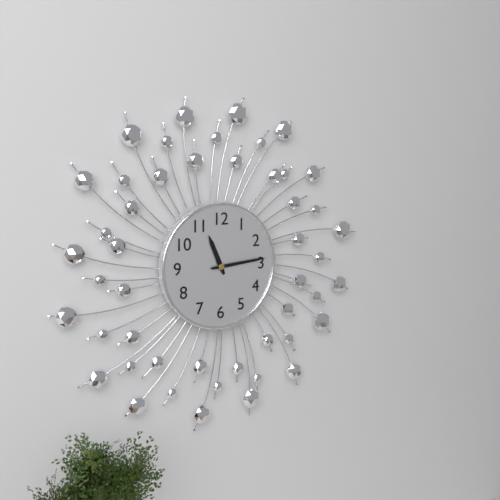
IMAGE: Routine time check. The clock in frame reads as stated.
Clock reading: 11:14
